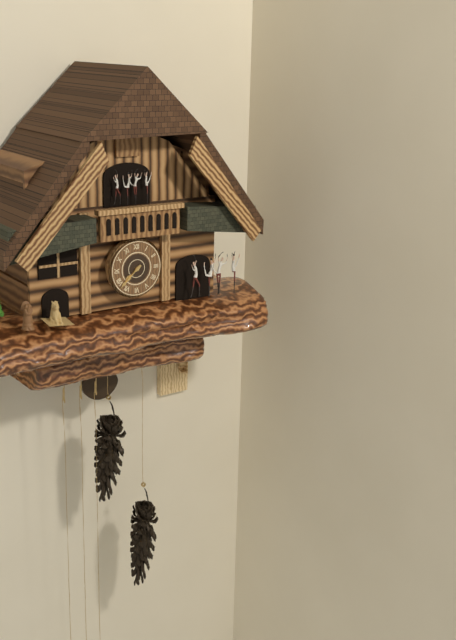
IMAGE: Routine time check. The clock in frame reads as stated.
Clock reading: 7:38
